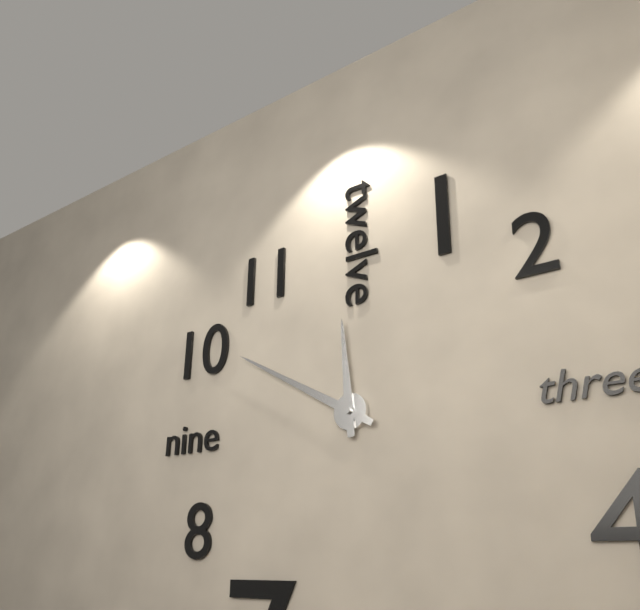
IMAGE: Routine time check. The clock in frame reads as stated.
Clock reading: 11:50
